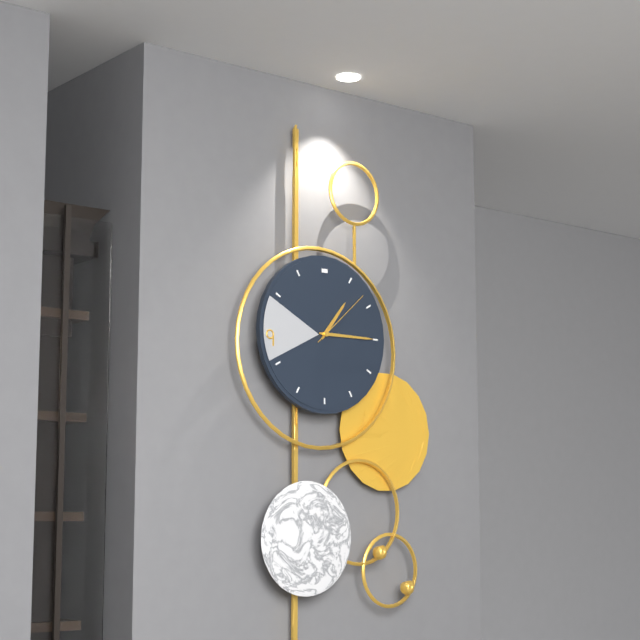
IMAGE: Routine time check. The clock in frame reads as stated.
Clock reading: 1:15:08
